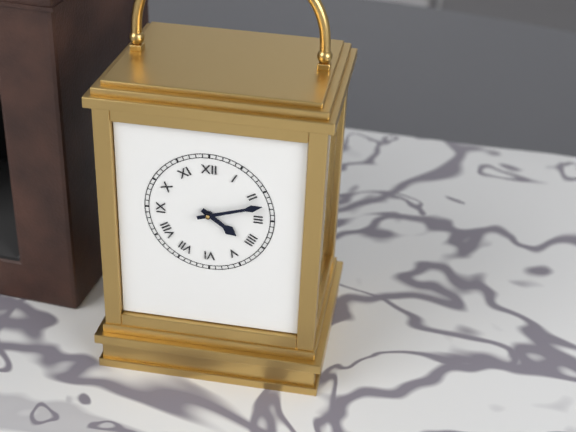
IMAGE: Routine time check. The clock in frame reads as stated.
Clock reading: 4:12
